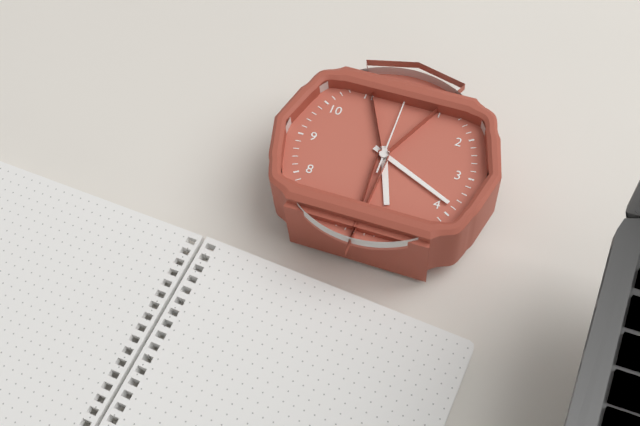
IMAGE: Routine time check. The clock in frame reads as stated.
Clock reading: 5:19:00
